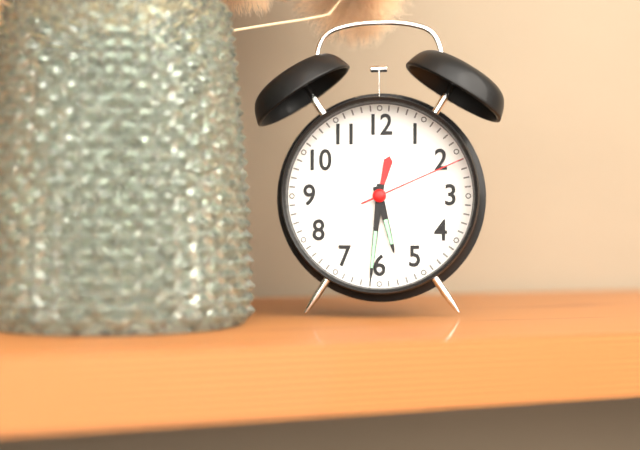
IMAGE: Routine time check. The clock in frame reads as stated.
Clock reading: 5:31:11
